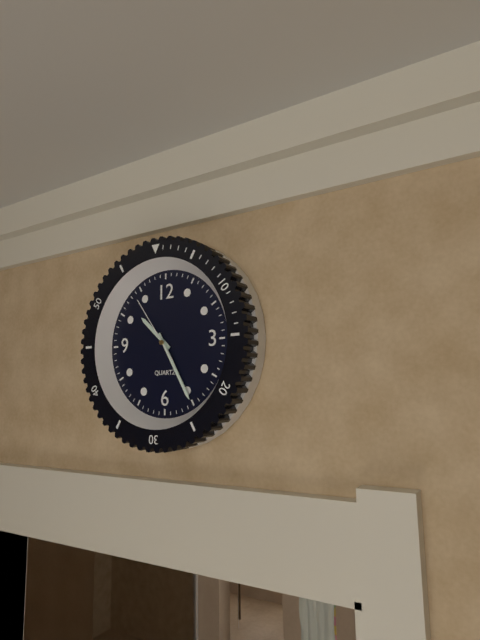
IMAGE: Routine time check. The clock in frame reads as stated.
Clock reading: 10:25:54
